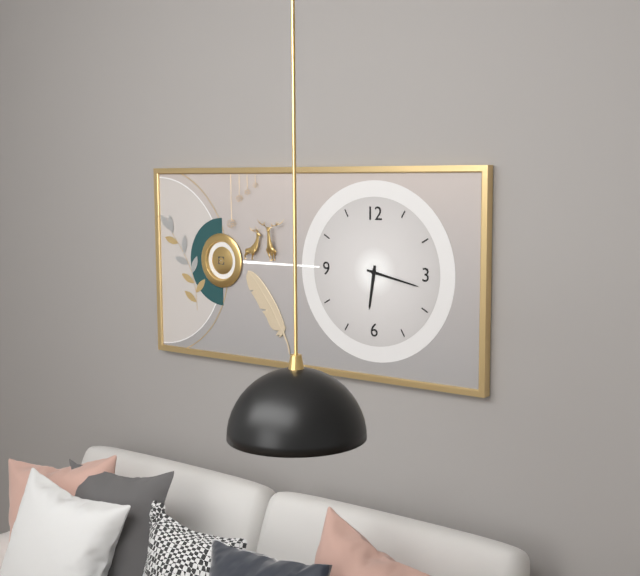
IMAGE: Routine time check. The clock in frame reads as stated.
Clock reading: 6:17
